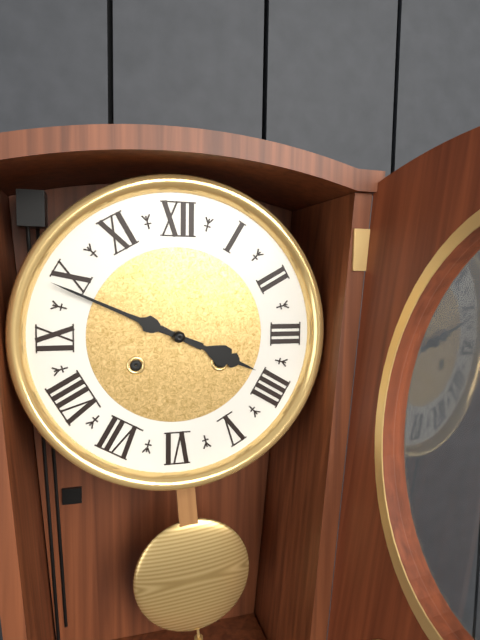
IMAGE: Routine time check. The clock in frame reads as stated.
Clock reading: 3:49
